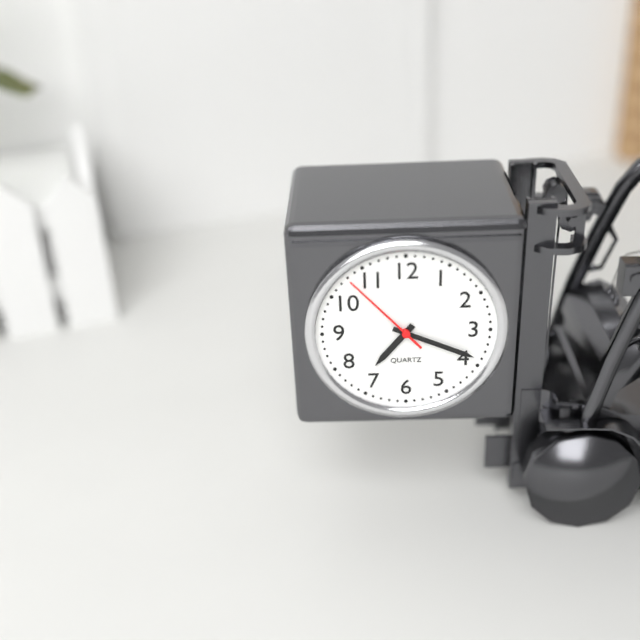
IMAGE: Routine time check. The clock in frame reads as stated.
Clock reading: 7:19:53
